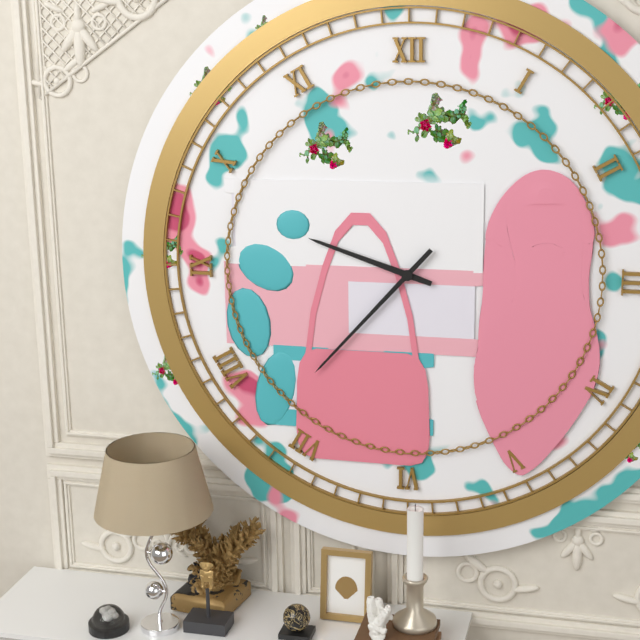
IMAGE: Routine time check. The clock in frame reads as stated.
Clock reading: 9:37
